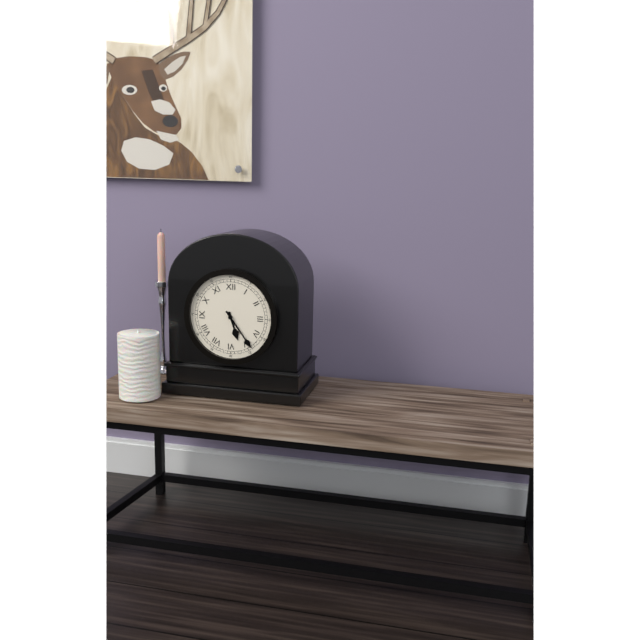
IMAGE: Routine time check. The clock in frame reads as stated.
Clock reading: 5:24
